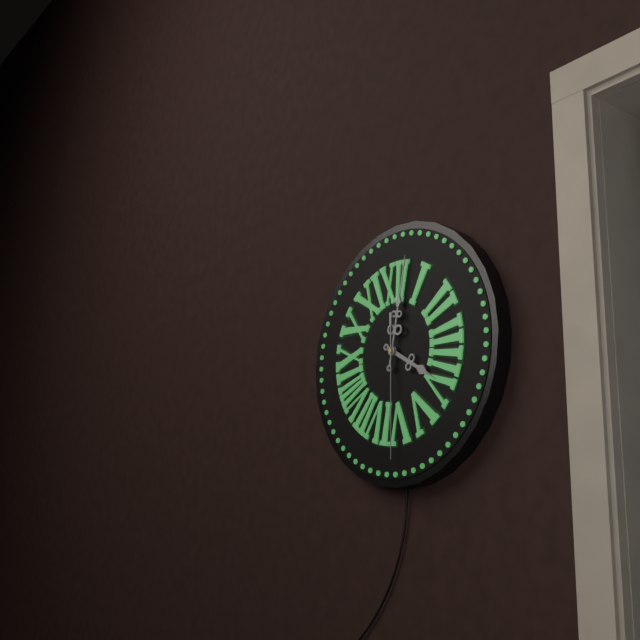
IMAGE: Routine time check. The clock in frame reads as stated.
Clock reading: 4:02:30
